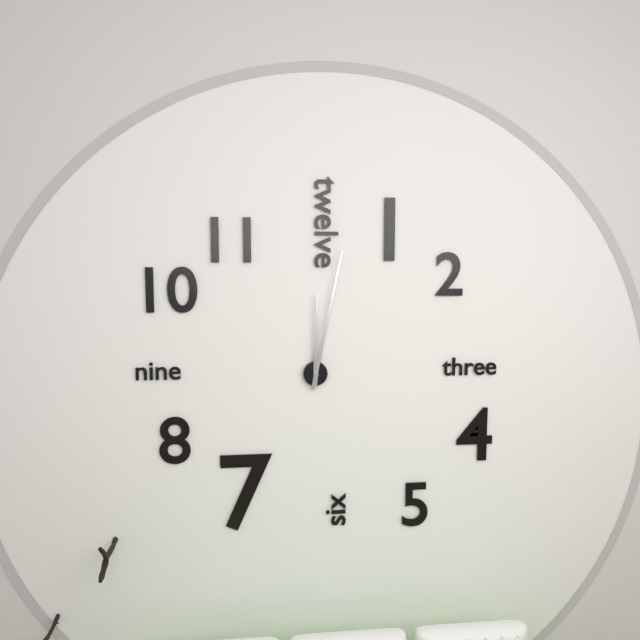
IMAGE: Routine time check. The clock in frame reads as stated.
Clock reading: 12:02
